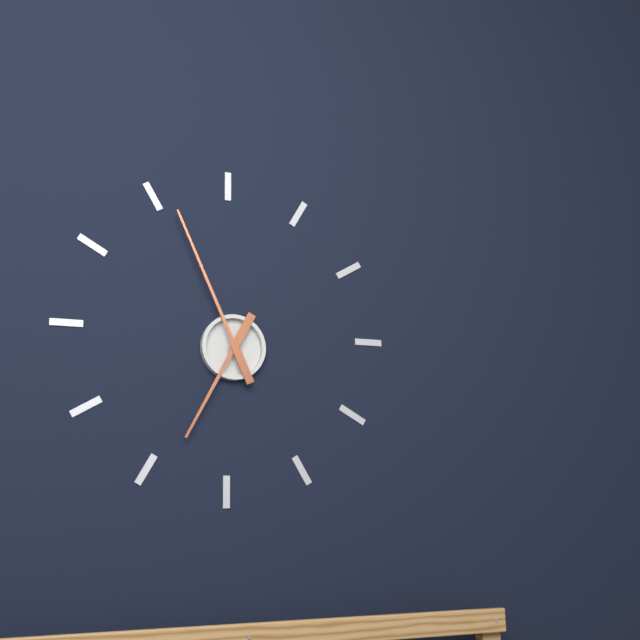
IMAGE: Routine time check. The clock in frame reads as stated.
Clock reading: 6:56
